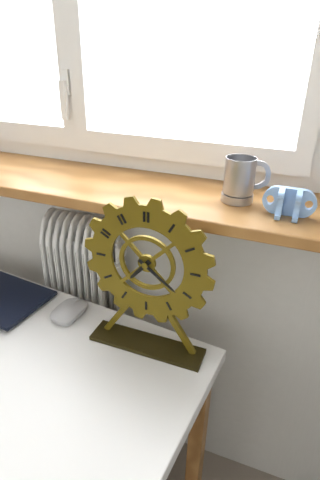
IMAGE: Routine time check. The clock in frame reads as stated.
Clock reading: 7:21
